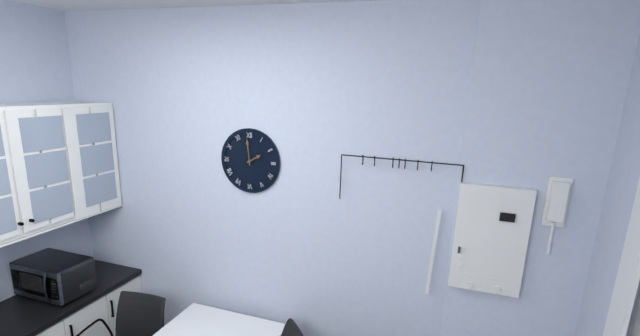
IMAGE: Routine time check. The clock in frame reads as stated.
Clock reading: 1:59
